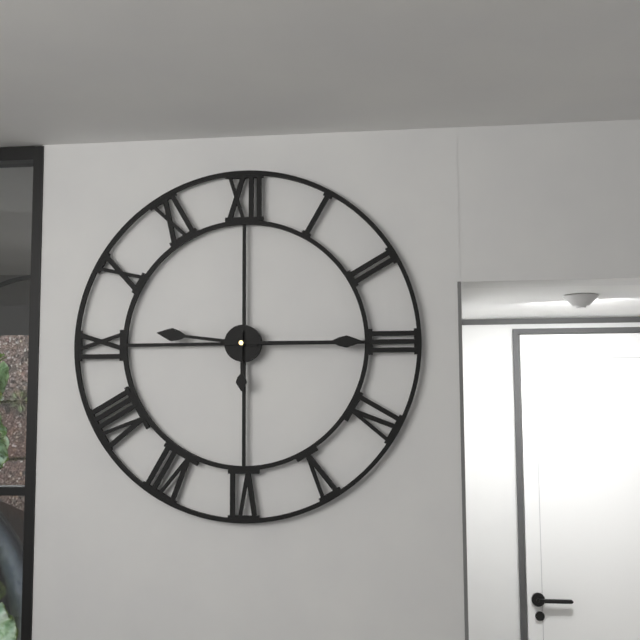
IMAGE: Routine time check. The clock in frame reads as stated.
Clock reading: 9:15:30
